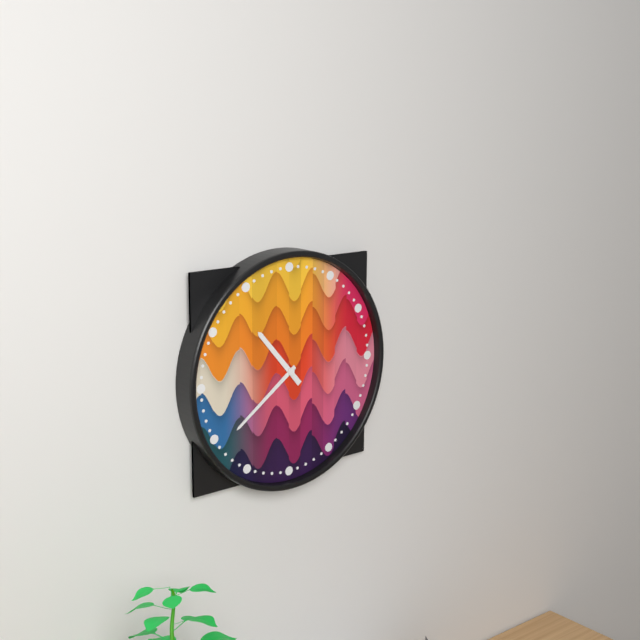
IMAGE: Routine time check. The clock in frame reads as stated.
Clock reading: 10:39
